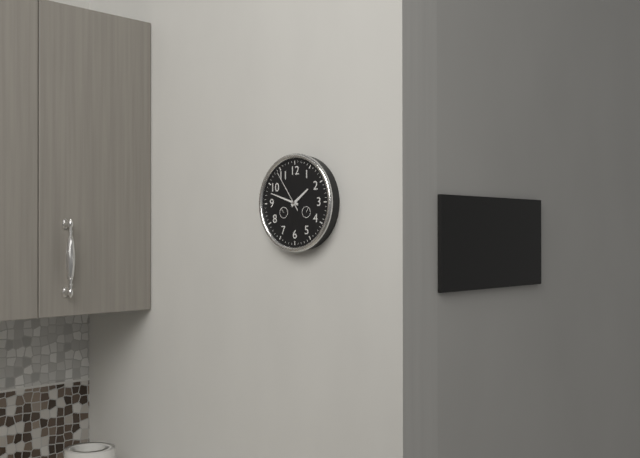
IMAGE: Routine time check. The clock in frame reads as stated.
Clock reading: 1:48
